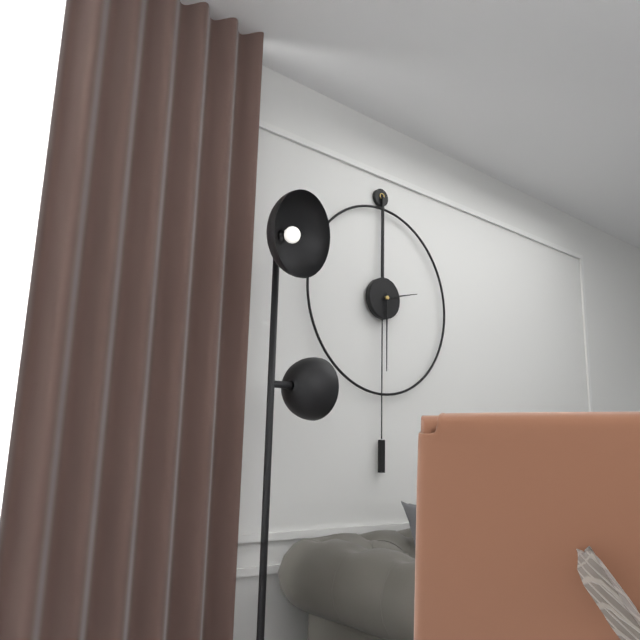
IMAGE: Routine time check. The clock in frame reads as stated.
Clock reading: 2:30
